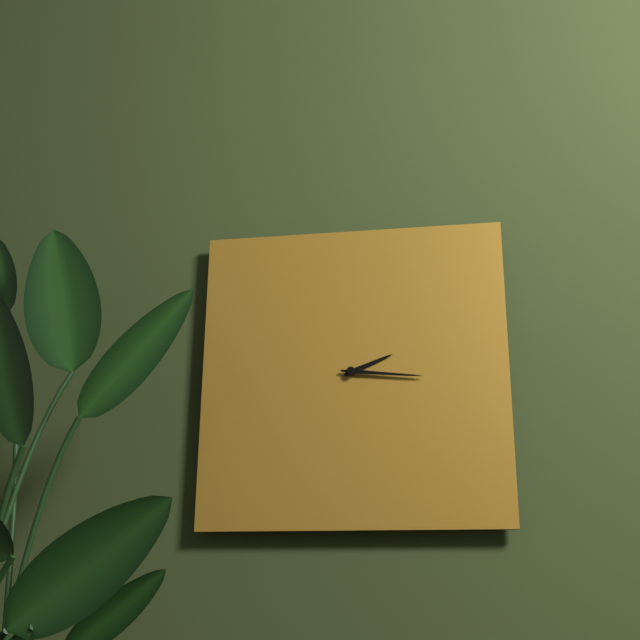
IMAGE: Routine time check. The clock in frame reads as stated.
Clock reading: 2:16
